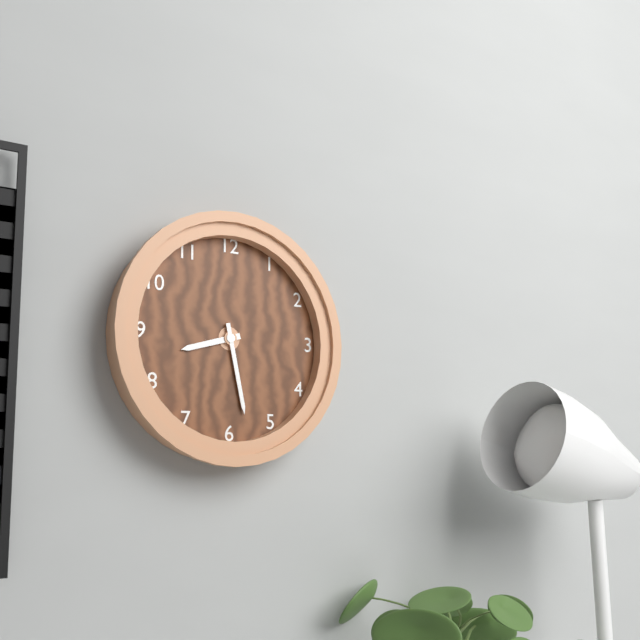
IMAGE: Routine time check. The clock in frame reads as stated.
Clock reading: 8:28
